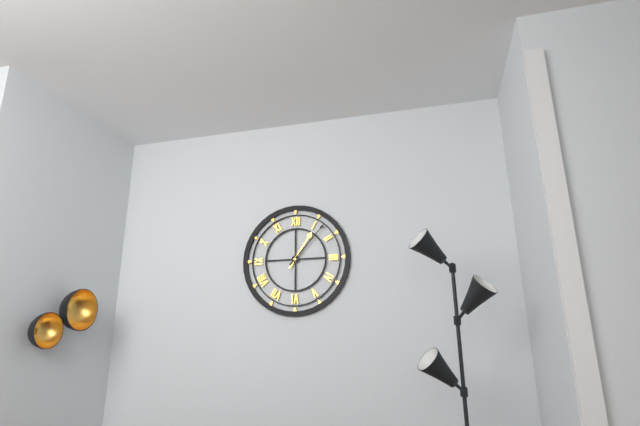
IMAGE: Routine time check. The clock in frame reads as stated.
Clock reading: 1:07
